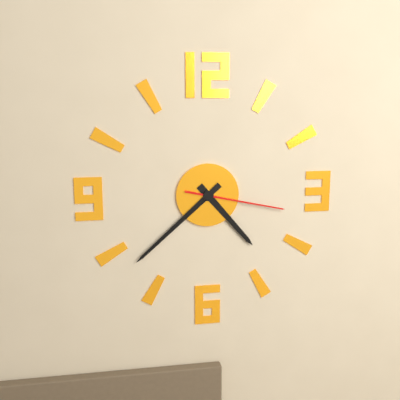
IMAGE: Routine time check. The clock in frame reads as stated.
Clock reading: 4:38:17
